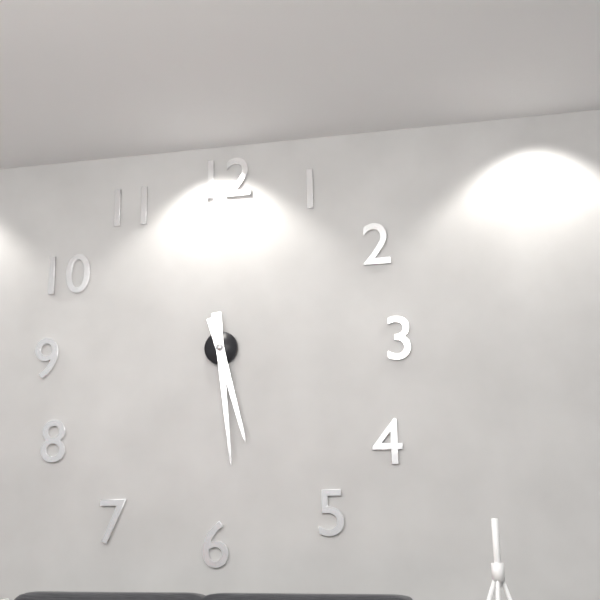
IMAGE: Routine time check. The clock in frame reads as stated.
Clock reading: 5:29
